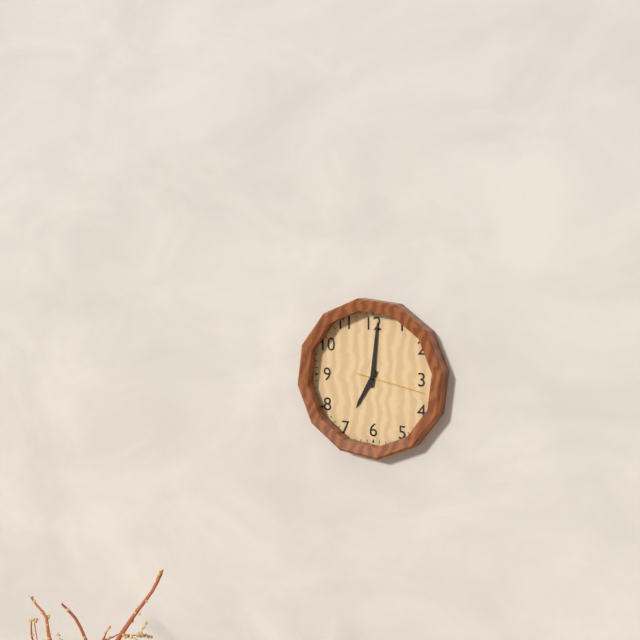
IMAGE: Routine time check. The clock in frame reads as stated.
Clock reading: 7:01:17
